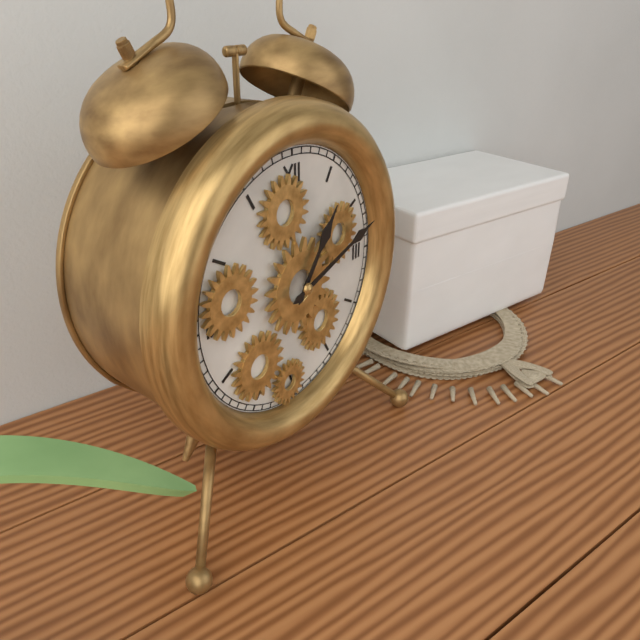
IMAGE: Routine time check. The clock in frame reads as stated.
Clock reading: 1:12
